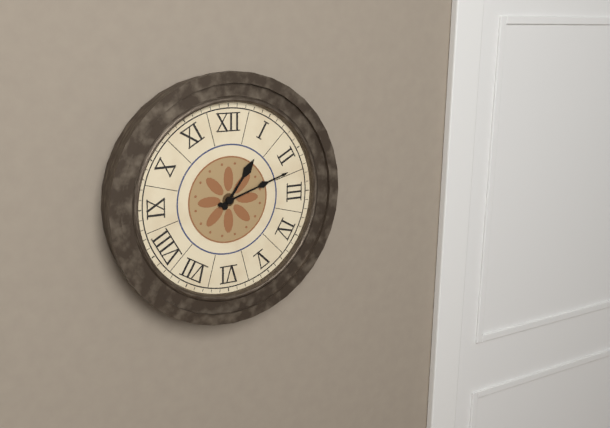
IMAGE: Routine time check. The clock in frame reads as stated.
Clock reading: 1:12
